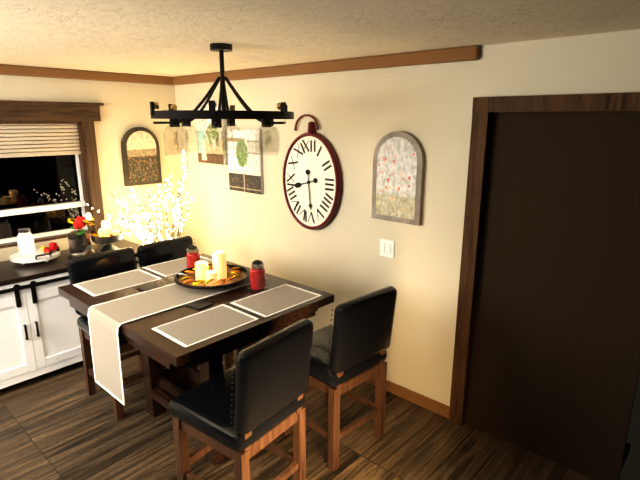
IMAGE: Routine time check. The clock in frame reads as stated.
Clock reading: 8:29
